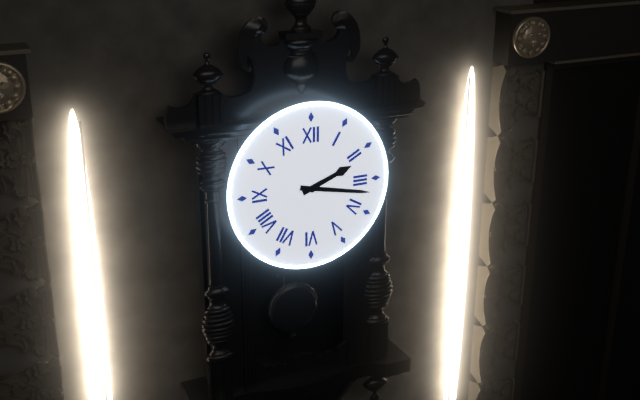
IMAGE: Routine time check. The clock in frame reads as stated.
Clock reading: 2:17
